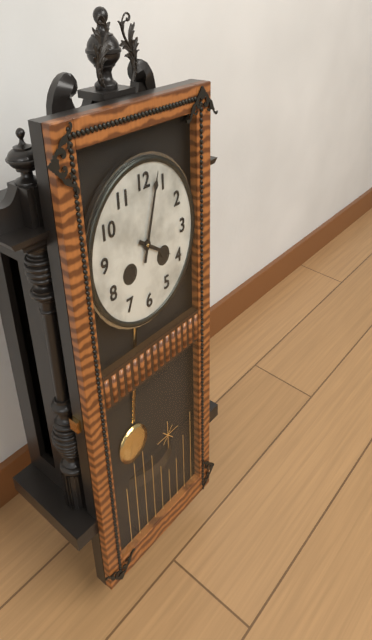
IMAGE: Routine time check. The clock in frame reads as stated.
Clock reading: 4:03
